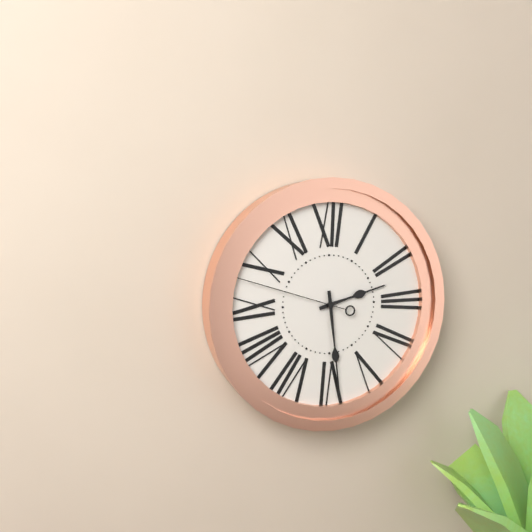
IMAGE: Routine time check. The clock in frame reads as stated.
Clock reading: 2:29:48
